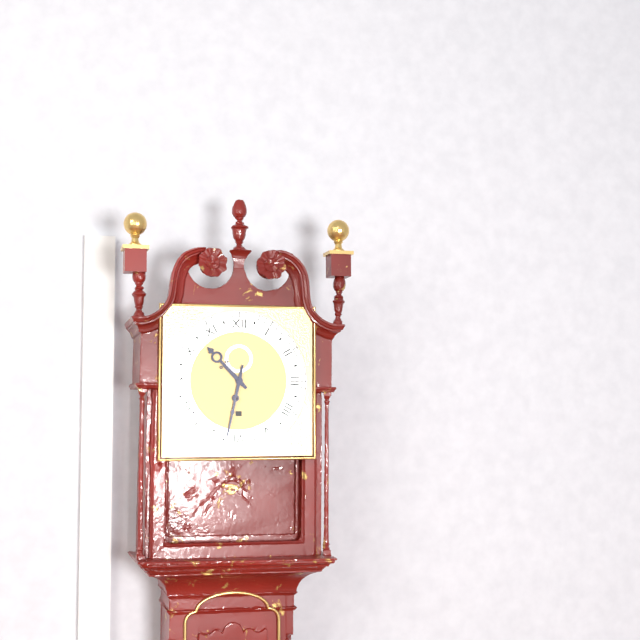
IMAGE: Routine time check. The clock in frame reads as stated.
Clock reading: 10:32
